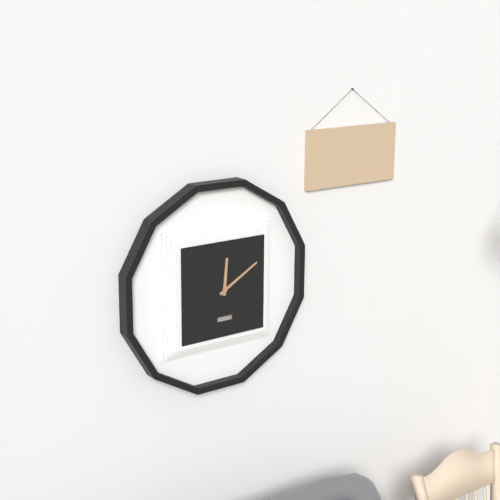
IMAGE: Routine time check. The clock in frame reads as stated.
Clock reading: 12:10
